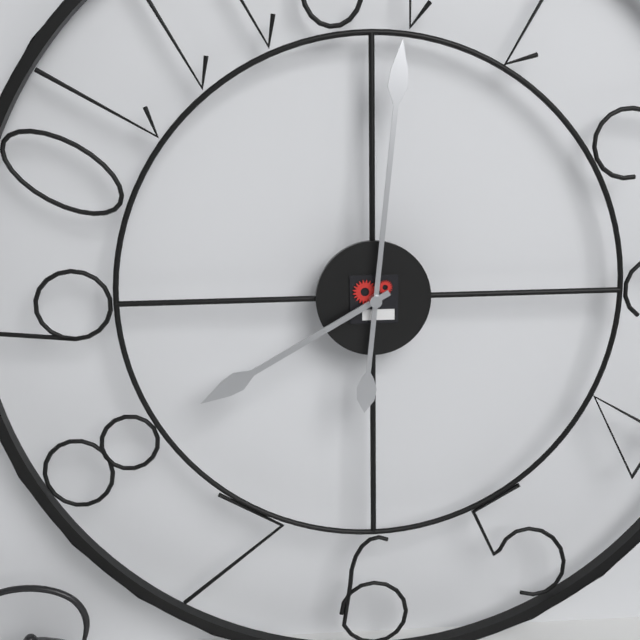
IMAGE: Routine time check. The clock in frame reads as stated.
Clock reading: 8:01
